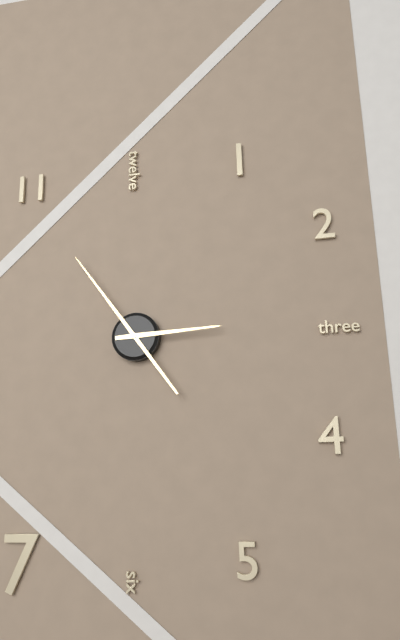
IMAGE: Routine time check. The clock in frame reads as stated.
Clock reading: 2:54
